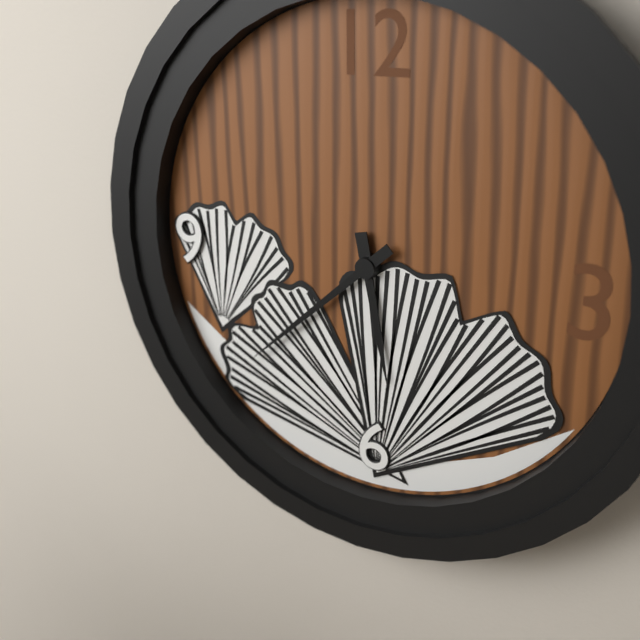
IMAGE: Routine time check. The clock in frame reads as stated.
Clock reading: 5:38
